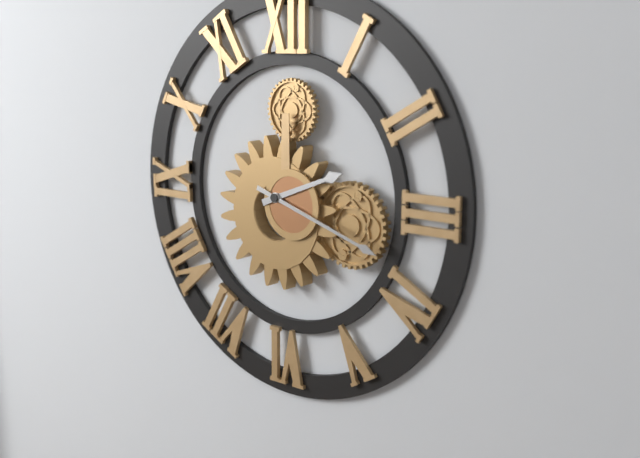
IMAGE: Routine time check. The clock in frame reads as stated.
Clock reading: 2:18
